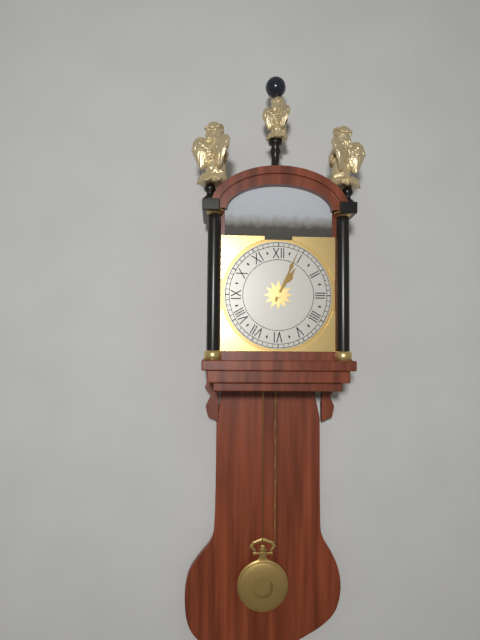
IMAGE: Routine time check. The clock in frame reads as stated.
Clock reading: 1:04
